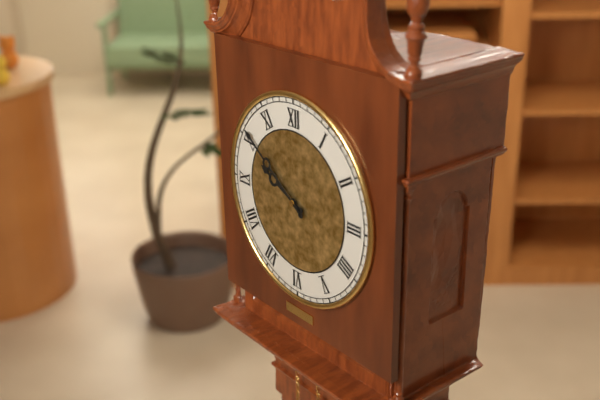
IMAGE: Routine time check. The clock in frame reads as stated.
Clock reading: 9:51
